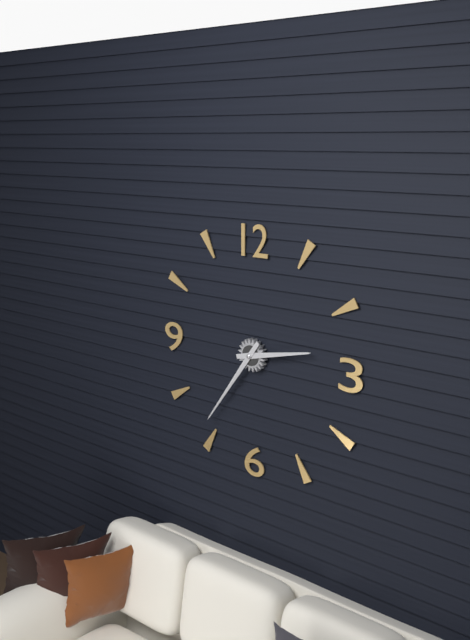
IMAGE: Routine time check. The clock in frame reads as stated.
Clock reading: 2:36
